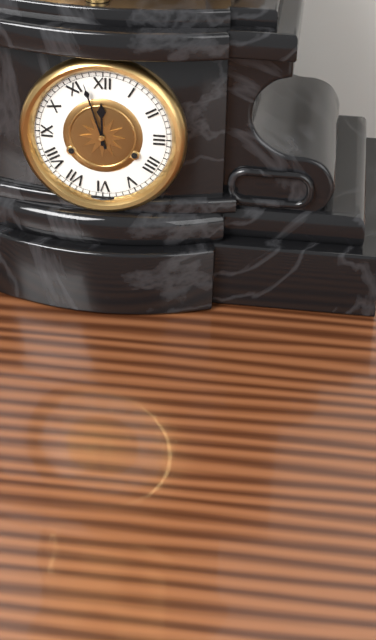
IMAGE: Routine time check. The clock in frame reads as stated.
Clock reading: 11:57
